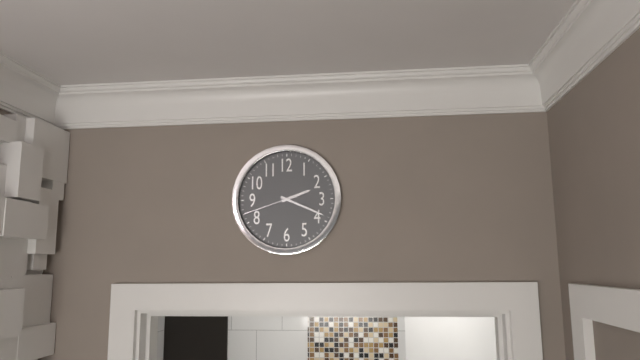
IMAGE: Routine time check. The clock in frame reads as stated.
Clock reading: 2:19:42
